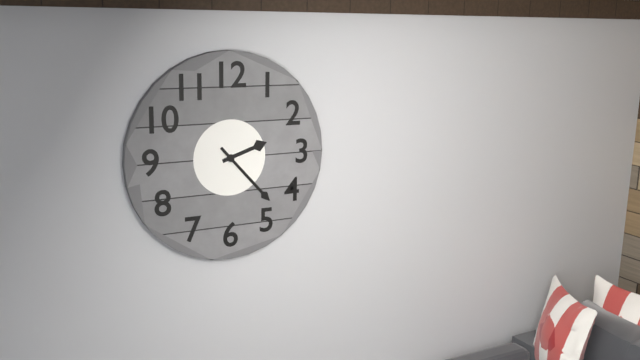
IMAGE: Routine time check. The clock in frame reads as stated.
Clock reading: 2:23
